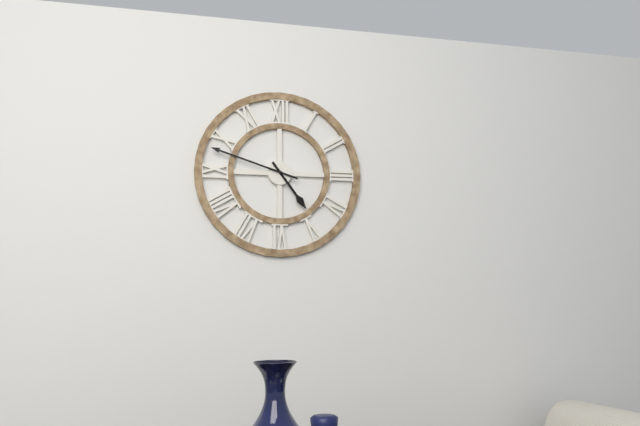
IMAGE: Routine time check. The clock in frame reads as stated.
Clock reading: 4:48
